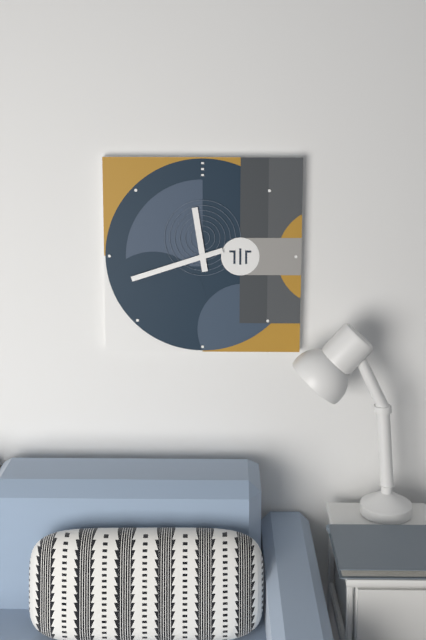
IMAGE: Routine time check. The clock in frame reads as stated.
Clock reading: 11:42
